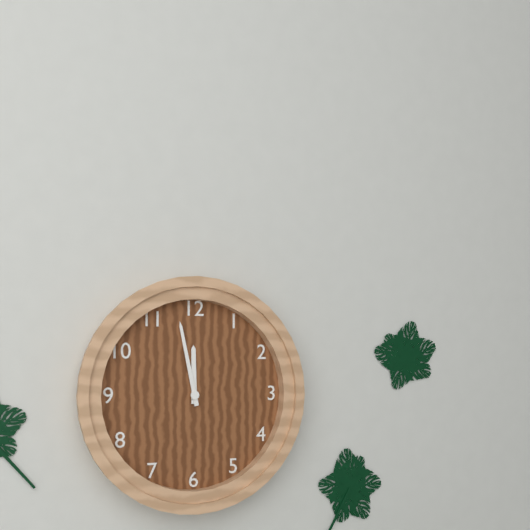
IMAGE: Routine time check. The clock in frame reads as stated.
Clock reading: 11:58
